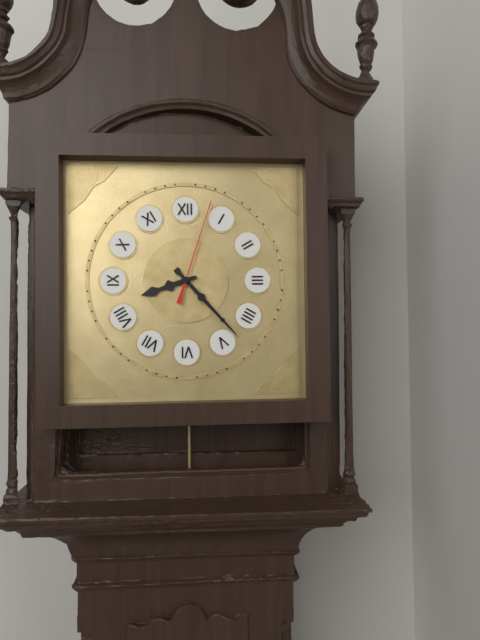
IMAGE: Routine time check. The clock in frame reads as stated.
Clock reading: 8:23:03
